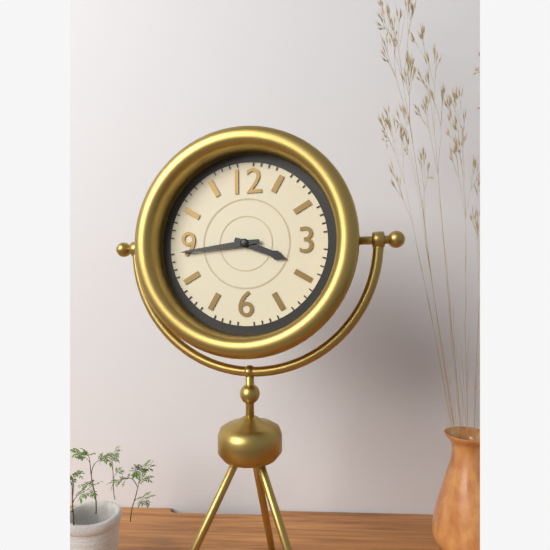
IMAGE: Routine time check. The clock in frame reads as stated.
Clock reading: 3:44
